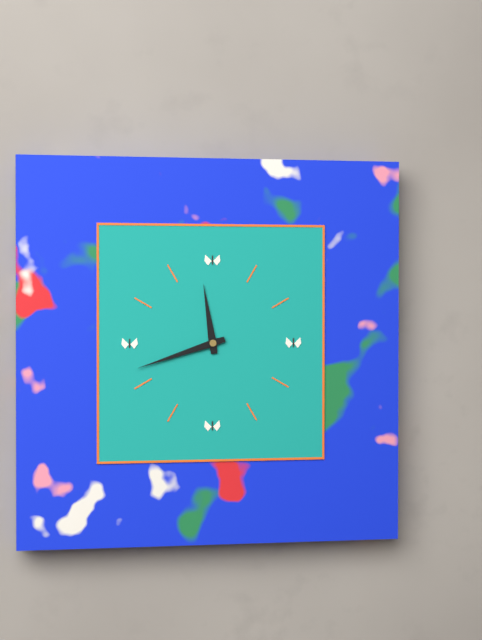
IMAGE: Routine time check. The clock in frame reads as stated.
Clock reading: 11:42
